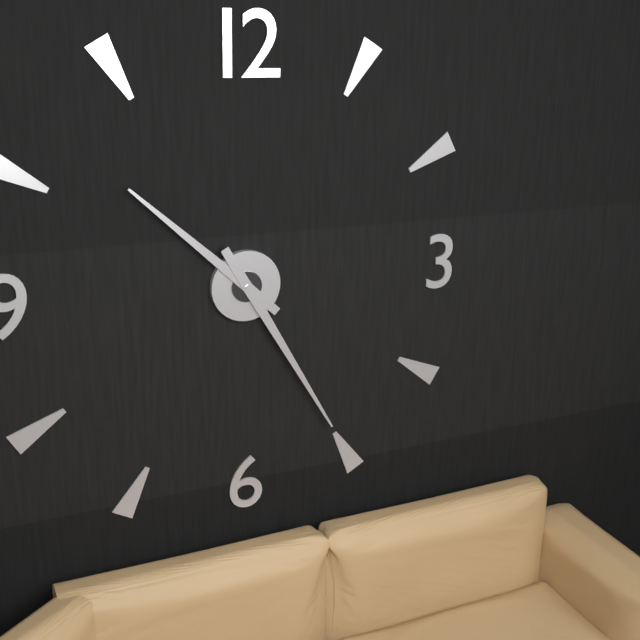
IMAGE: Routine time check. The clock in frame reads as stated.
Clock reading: 10:25
